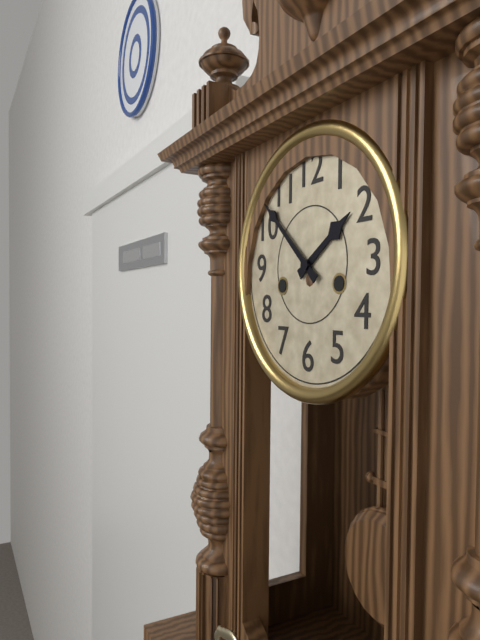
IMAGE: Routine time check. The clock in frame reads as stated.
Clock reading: 1:52
